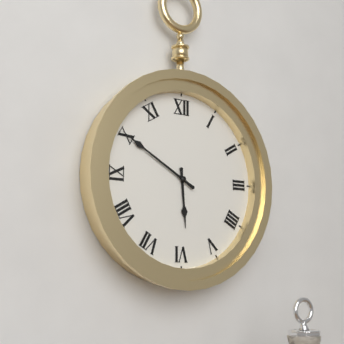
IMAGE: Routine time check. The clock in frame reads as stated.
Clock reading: 5:50
